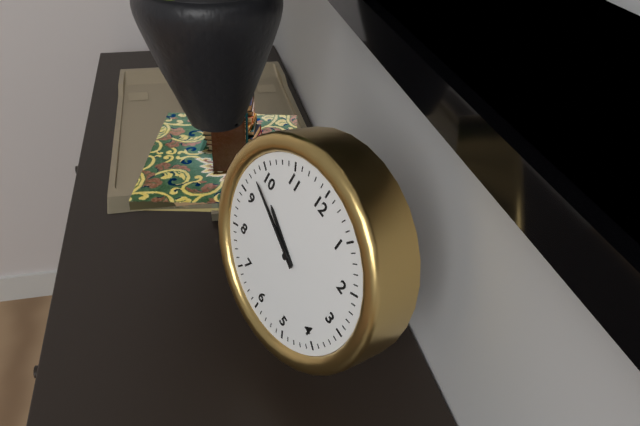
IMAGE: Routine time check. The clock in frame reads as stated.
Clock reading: 9:48
